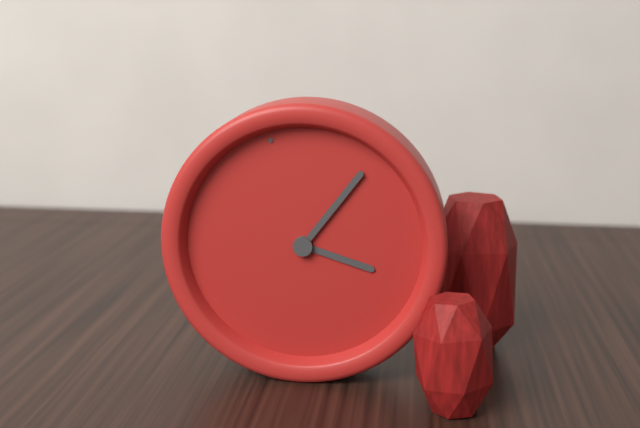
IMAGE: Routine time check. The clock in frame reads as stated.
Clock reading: 4:09
